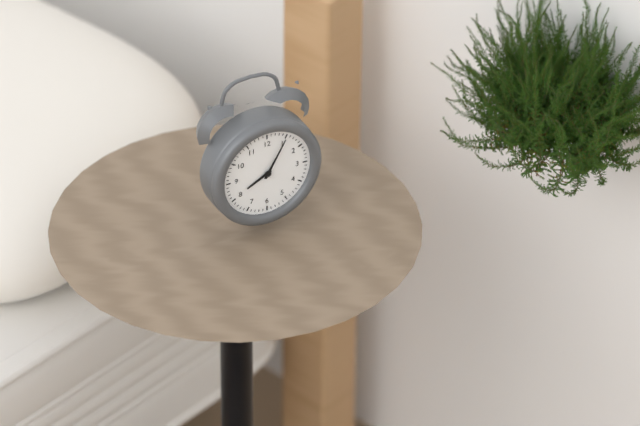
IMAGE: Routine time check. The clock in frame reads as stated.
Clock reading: 8:05
